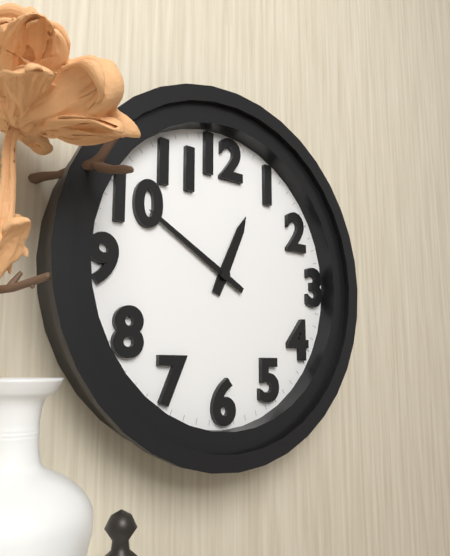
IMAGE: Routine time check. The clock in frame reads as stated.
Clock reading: 12:50
